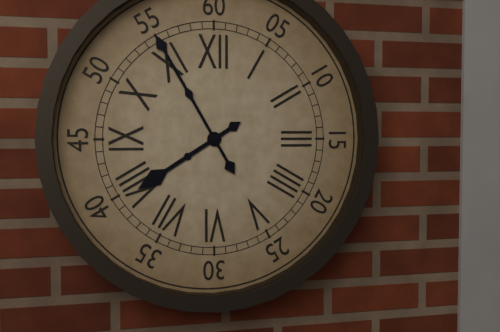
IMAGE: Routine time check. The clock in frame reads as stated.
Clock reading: 7:55
